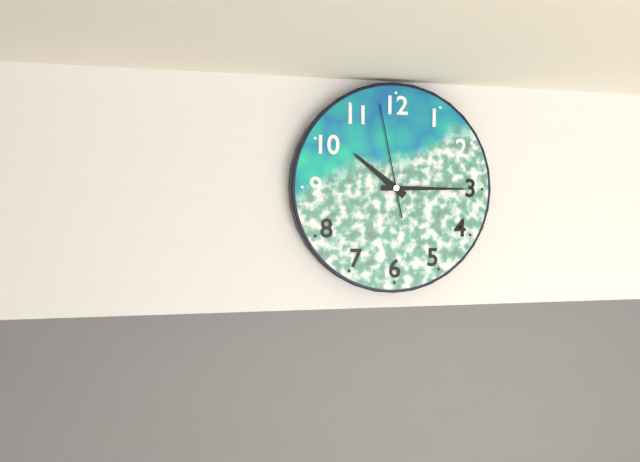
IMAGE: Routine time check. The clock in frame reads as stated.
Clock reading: 10:15:58
